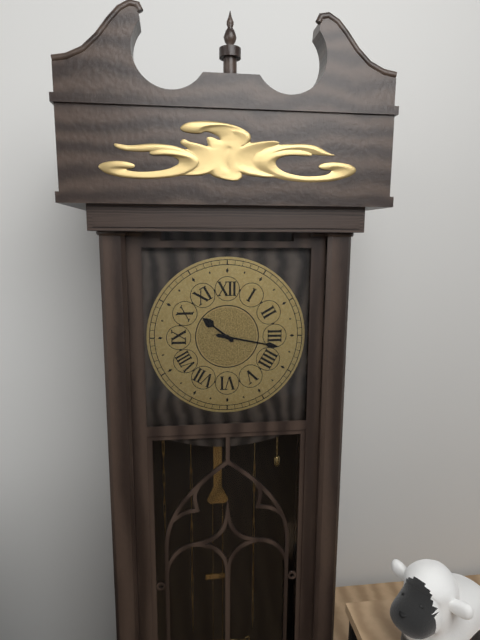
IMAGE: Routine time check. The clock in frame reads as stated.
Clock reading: 10:17
